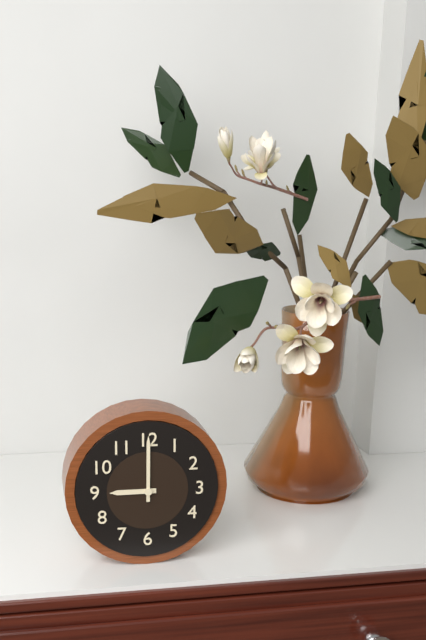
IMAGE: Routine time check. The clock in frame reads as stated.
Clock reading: 9:00
